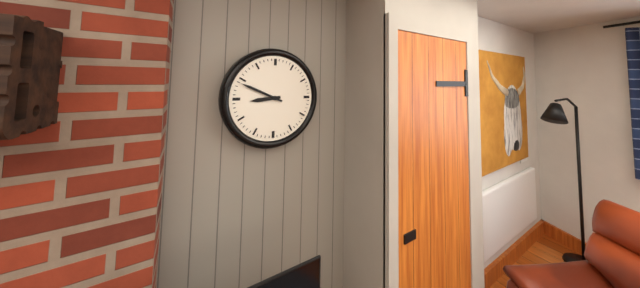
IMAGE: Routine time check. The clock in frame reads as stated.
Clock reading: 8:49
